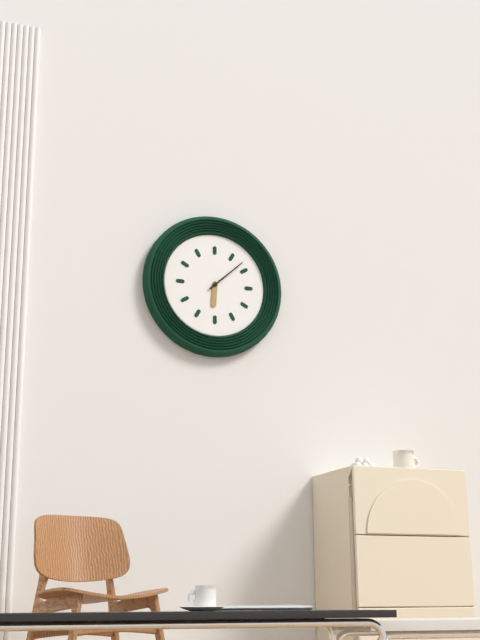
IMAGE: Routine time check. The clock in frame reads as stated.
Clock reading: 6:08
